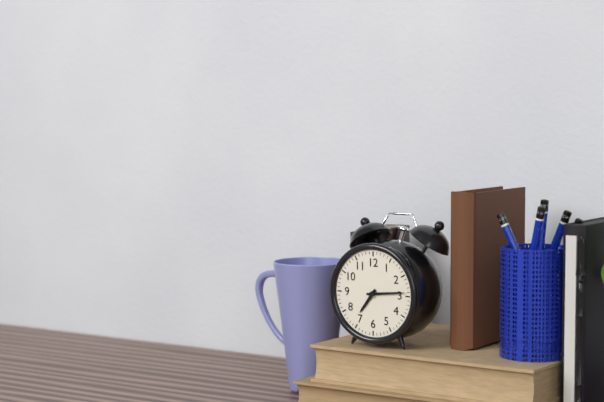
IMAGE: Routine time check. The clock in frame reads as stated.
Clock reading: 7:14
